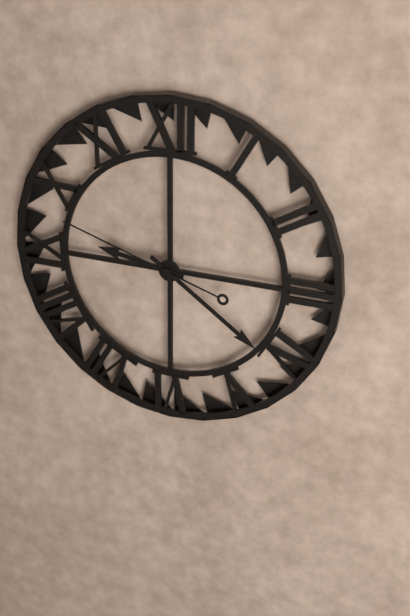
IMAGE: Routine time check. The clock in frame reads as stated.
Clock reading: 9:21:48
